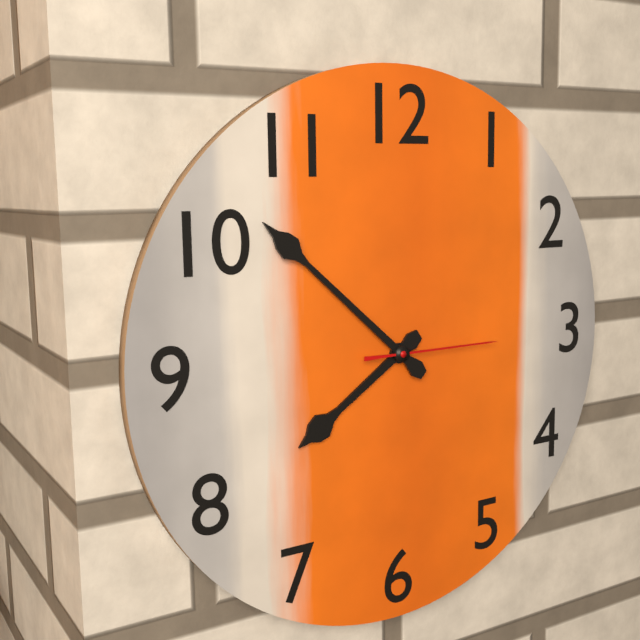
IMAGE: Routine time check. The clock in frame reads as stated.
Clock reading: 7:52:15
